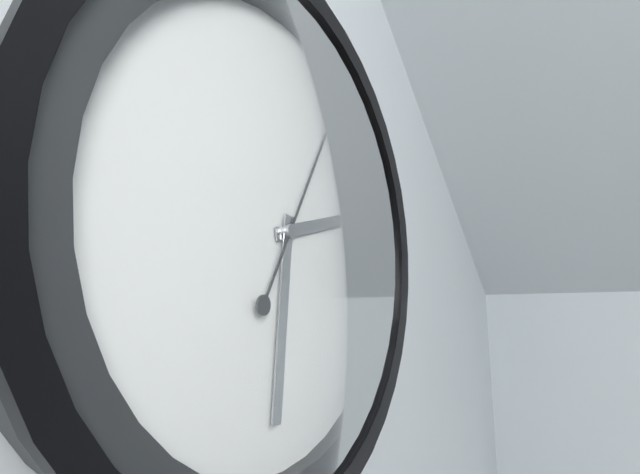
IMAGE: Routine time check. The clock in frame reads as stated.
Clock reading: 2:31:05
